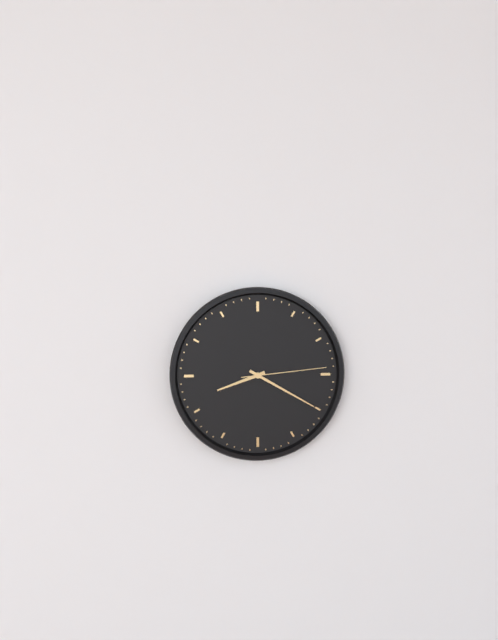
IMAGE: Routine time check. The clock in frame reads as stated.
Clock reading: 8:20:14
